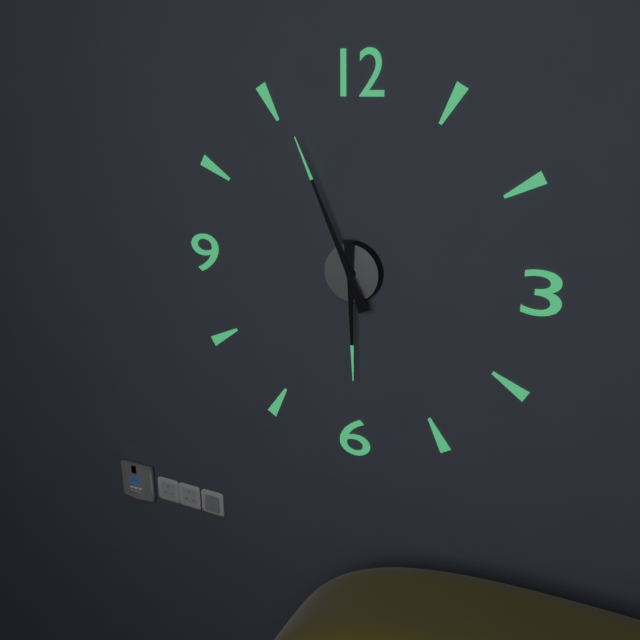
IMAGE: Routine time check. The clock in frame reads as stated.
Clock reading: 5:56
